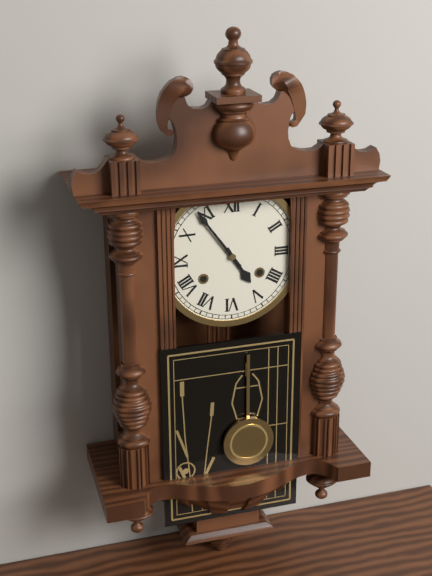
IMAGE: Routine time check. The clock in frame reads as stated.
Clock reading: 4:54
